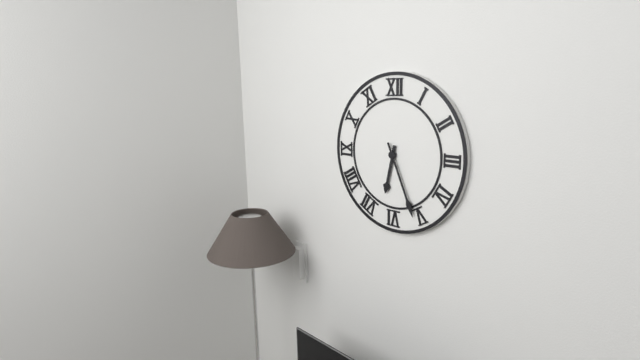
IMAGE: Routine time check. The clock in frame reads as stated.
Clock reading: 6:26
